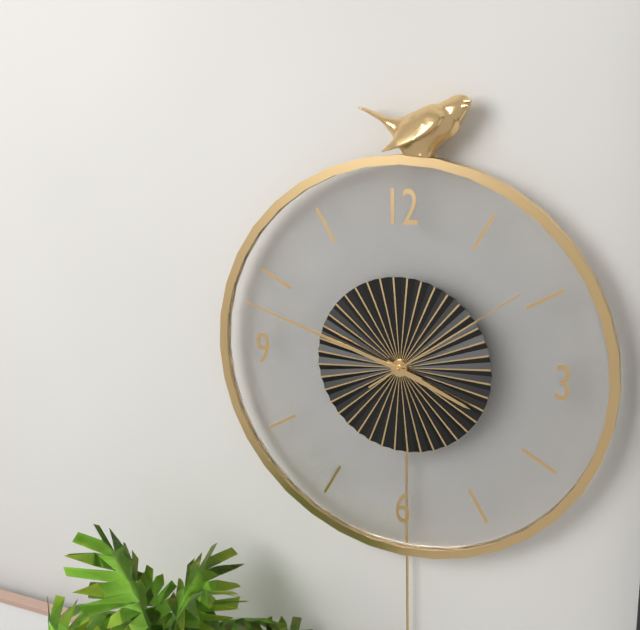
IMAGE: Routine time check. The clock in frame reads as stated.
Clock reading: 3:48:09
